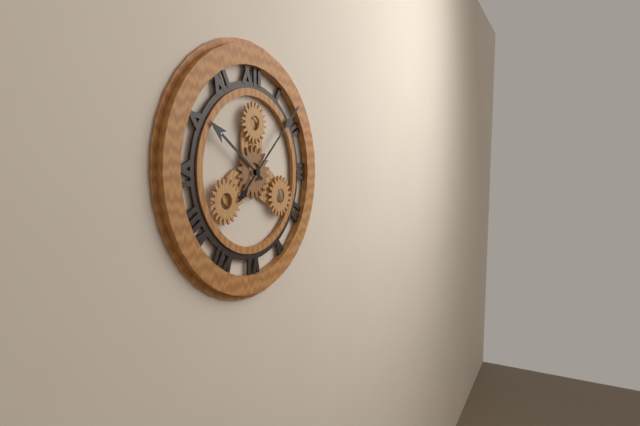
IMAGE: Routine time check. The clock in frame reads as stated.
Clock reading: 10:08
